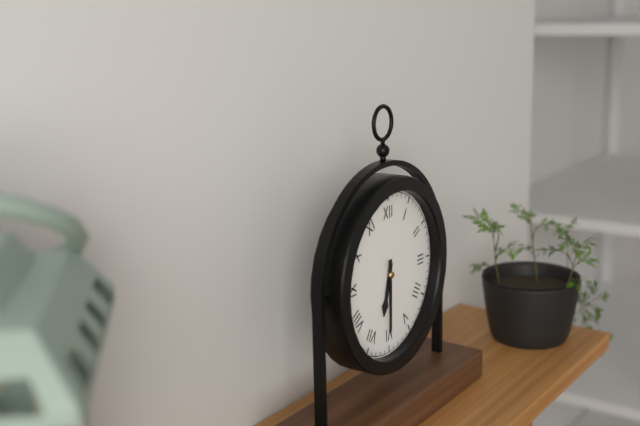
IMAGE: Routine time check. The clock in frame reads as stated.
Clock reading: 6:30
